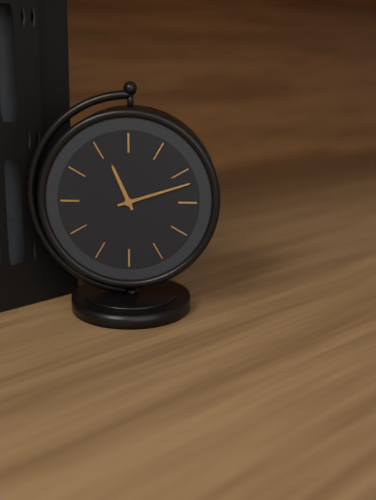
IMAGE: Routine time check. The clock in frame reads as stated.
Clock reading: 11:12
